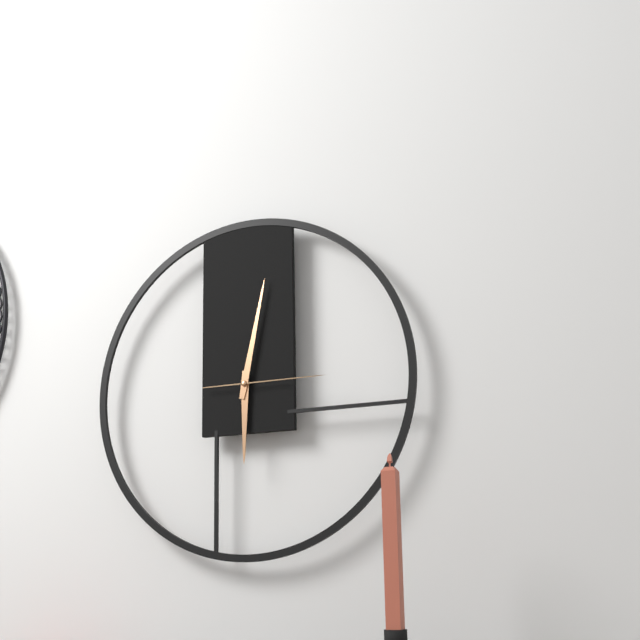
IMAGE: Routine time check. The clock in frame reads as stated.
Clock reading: 6:02:15
